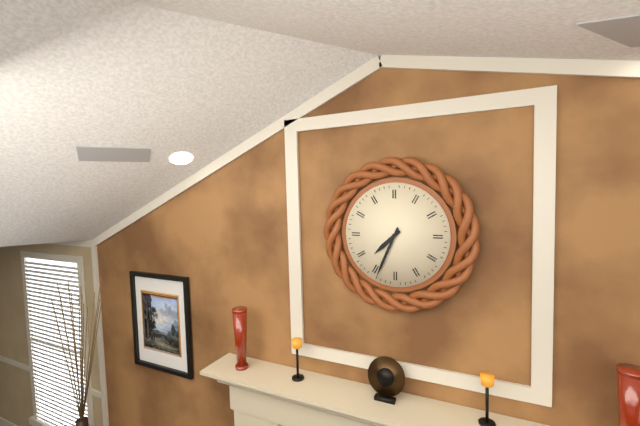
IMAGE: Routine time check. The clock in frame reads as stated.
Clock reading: 7:34
